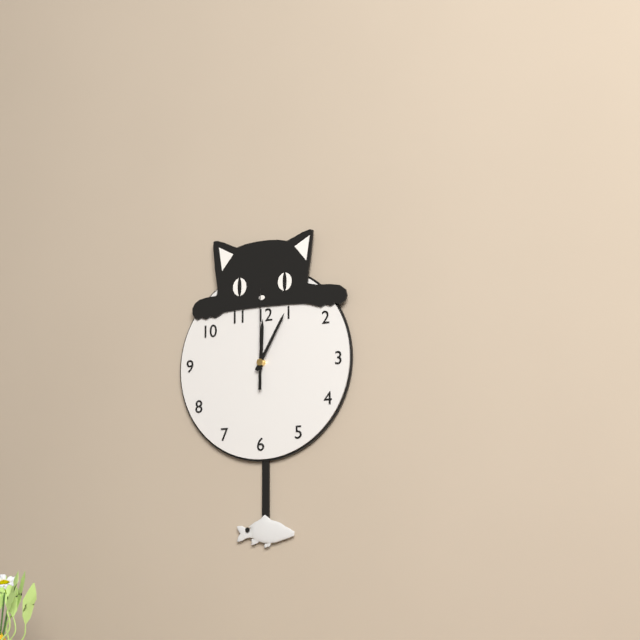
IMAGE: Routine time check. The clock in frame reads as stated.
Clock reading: 12:05:00
